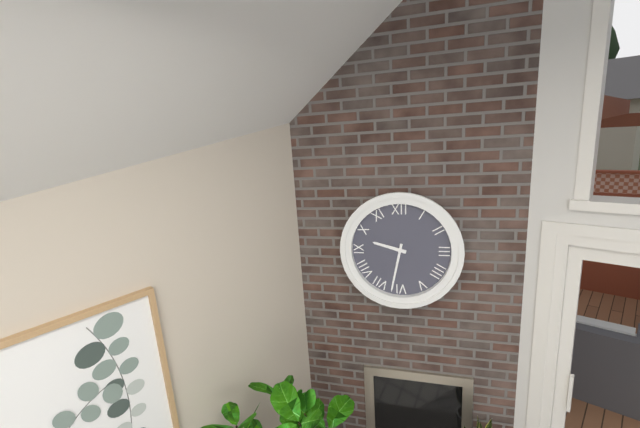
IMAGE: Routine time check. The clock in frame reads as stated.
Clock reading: 9:32
